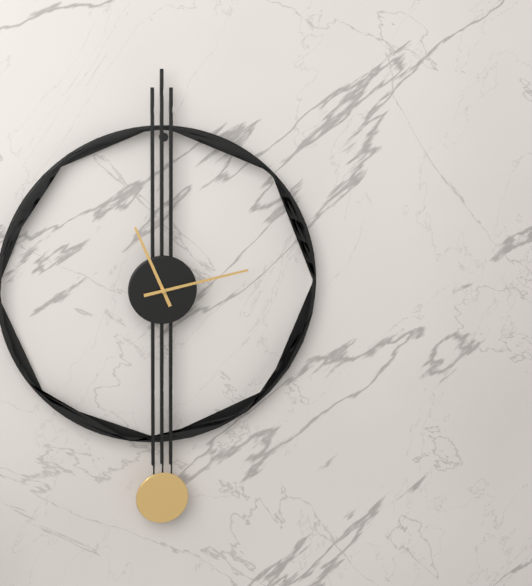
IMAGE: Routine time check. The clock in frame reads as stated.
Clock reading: 11:13
